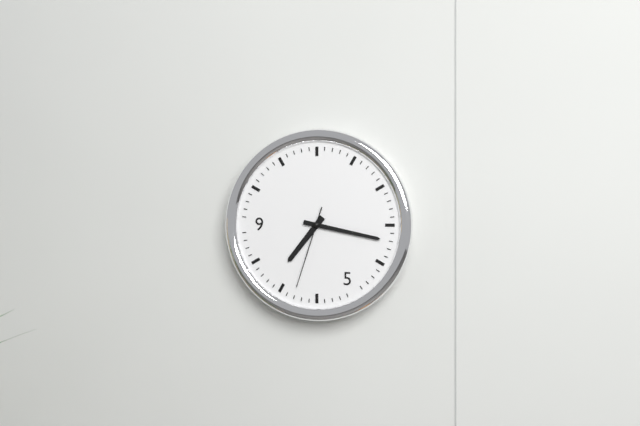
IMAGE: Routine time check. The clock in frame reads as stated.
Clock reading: 7:17:33
